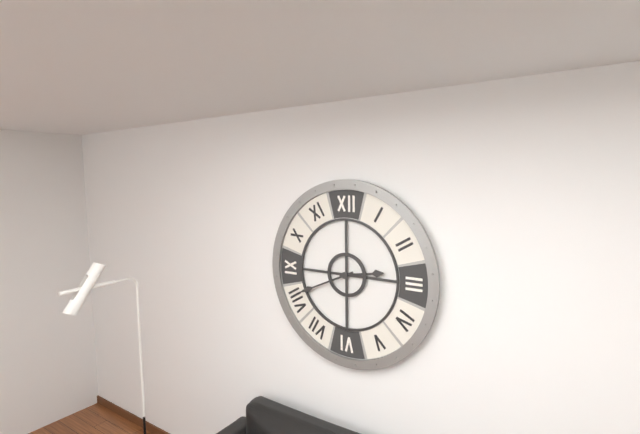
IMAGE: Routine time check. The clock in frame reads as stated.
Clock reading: 2:41
